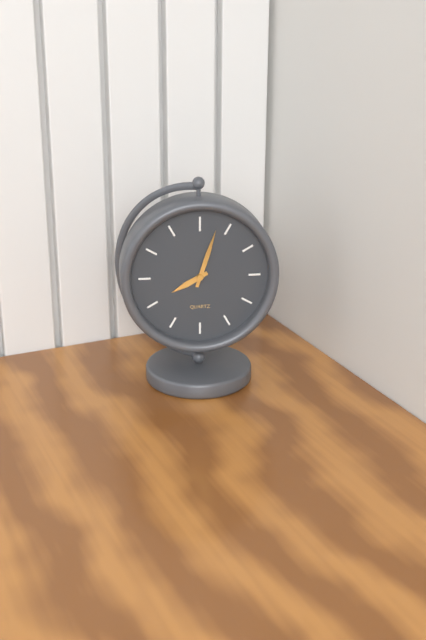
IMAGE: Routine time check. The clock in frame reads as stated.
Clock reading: 8:03
